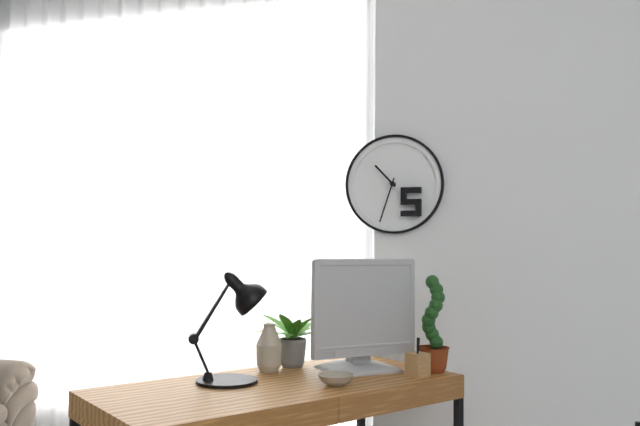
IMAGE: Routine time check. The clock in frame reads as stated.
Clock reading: 10:33
